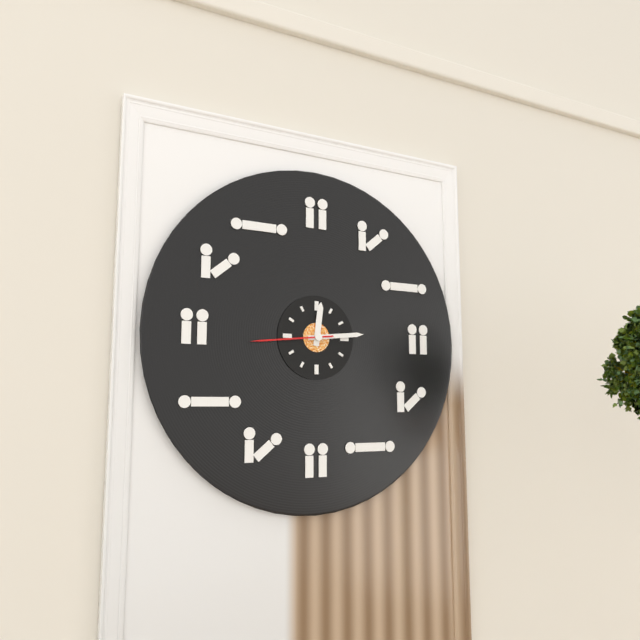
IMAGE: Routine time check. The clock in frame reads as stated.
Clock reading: 12:14:44
